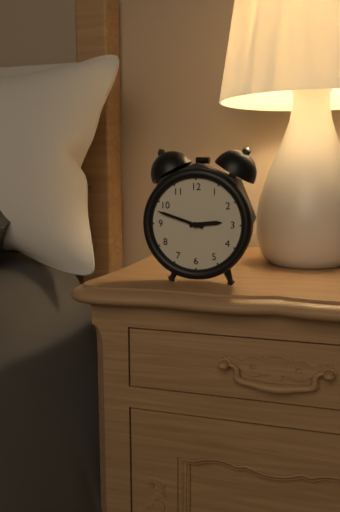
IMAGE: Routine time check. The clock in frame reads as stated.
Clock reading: 2:48
